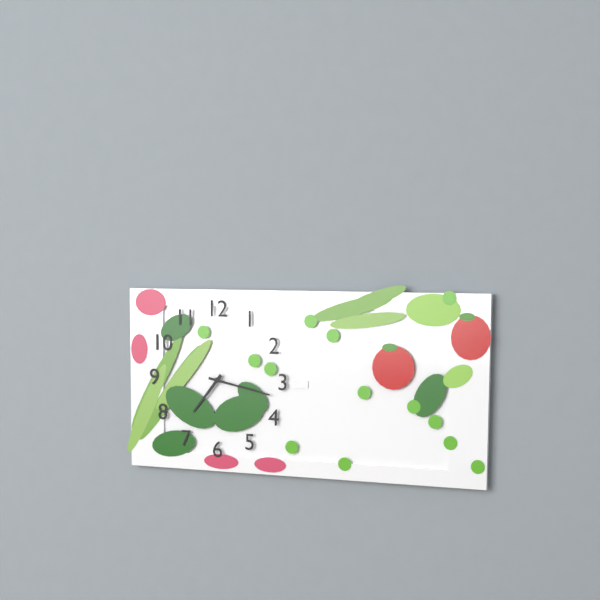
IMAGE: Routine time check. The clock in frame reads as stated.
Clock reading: 7:17
